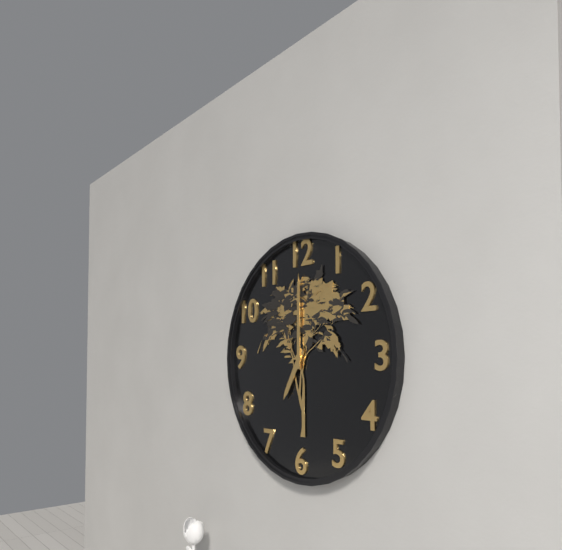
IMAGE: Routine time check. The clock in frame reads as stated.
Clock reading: 7:00
